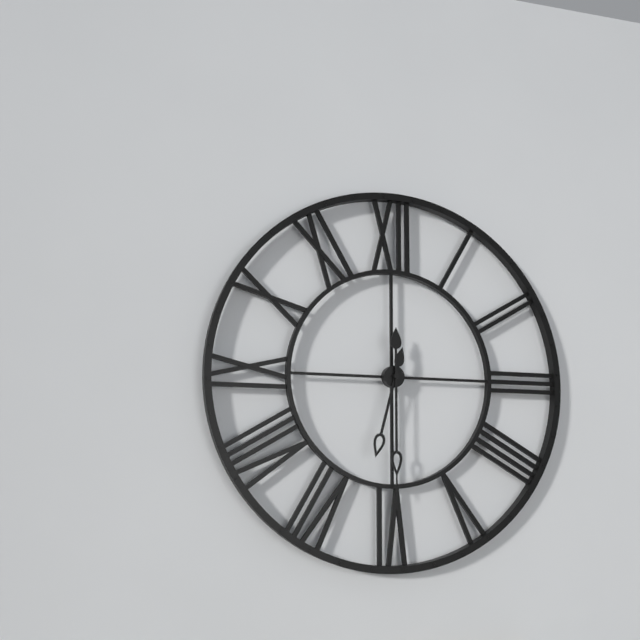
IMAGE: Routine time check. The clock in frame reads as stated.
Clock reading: 6:30
